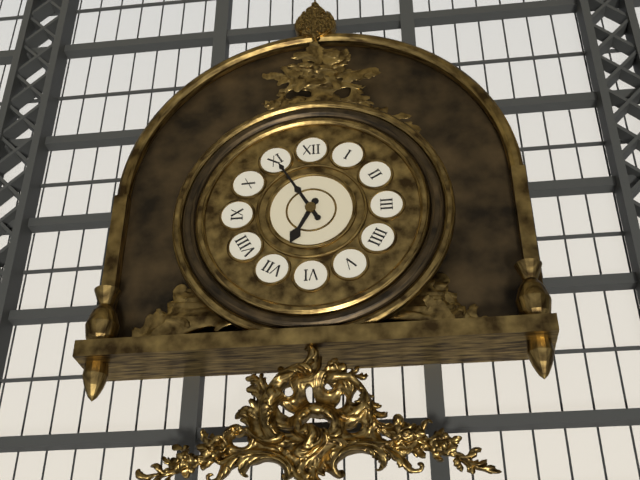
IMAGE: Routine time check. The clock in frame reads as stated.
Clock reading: 6:55
